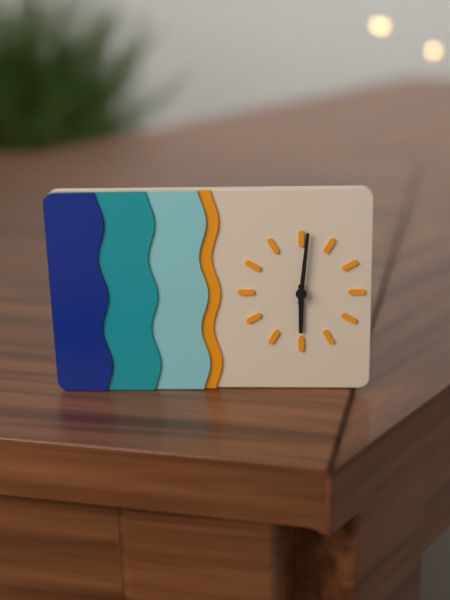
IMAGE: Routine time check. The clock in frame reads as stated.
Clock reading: 6:01
